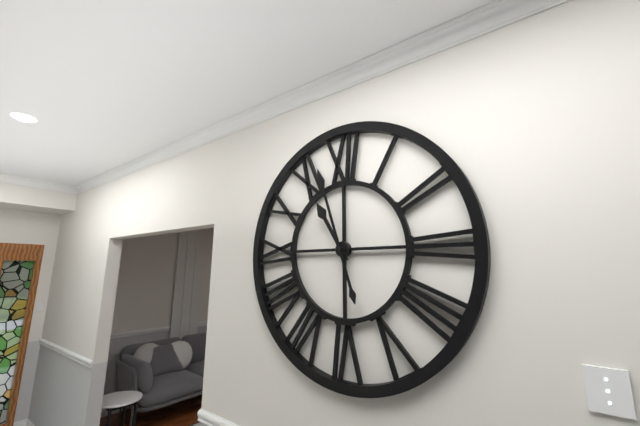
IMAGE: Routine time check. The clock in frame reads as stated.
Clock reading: 10:57
